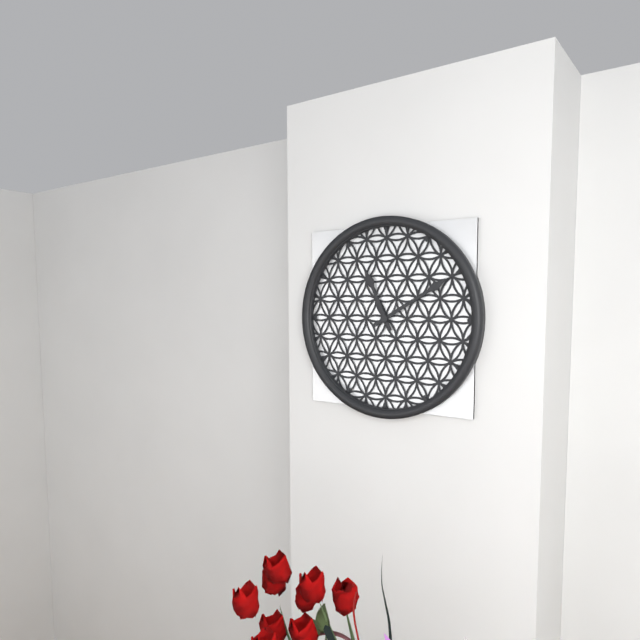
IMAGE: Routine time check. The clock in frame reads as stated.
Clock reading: 11:10
